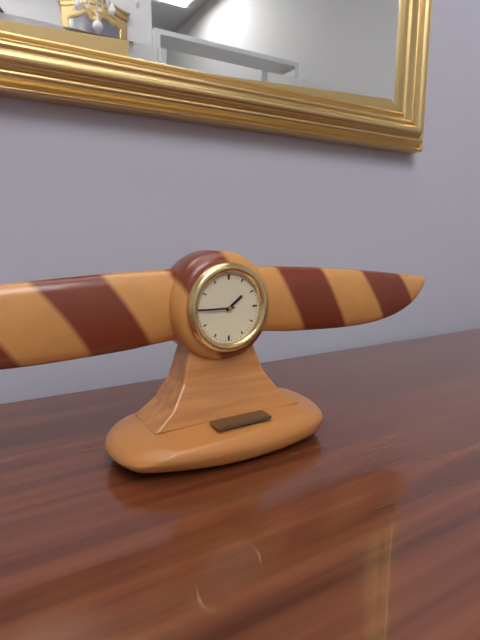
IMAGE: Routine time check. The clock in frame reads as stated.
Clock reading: 1:45
